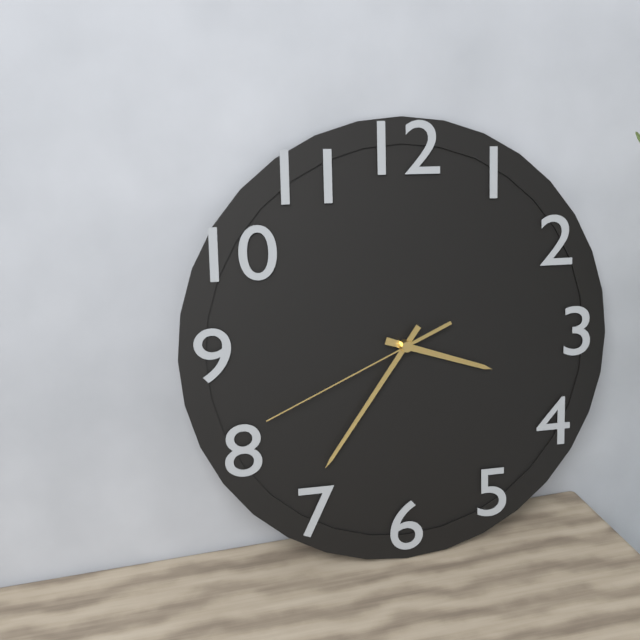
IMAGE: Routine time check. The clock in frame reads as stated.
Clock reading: 3:36:41
